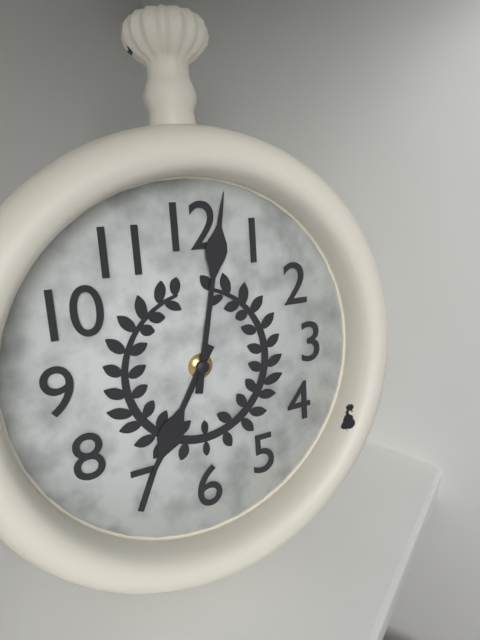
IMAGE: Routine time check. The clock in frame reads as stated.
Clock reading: 7:02
